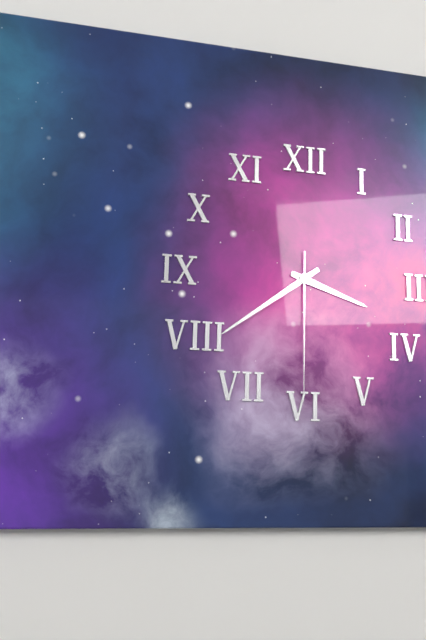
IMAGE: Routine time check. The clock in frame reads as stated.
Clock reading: 3:39:30
